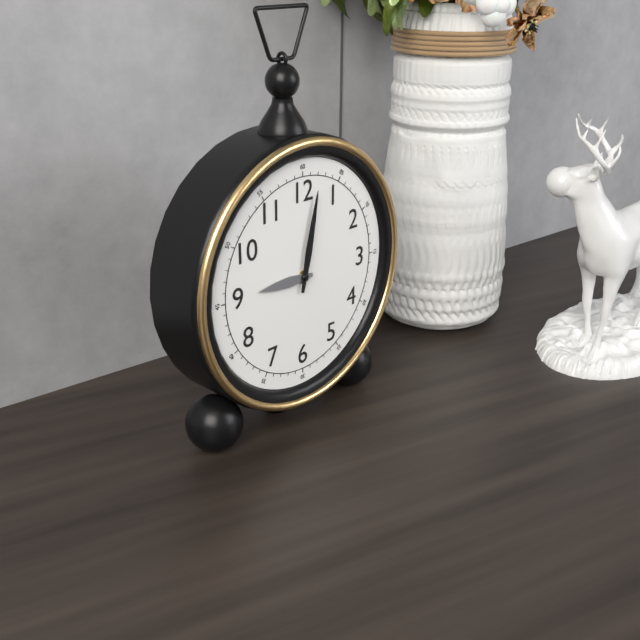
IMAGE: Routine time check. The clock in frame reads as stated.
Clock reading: 9:02
